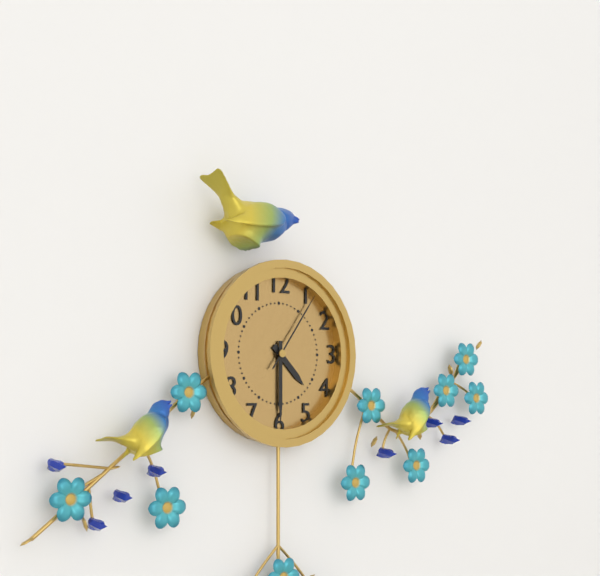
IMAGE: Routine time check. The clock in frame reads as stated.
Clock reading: 4:30:06
